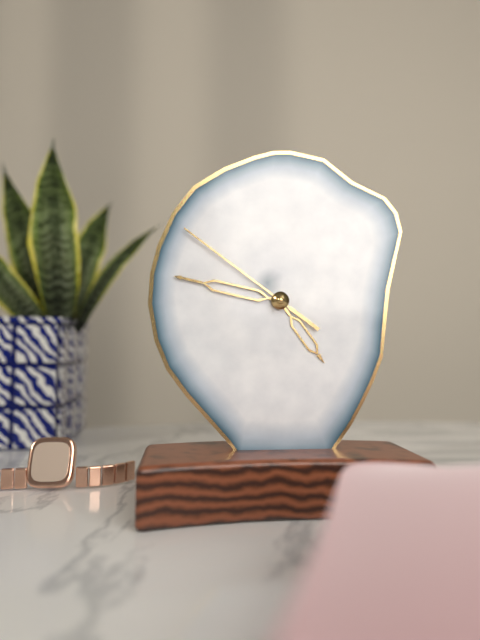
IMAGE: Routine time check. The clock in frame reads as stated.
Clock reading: 4:47:51
